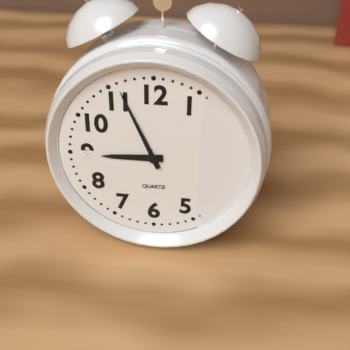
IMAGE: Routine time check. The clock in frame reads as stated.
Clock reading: 8:56
